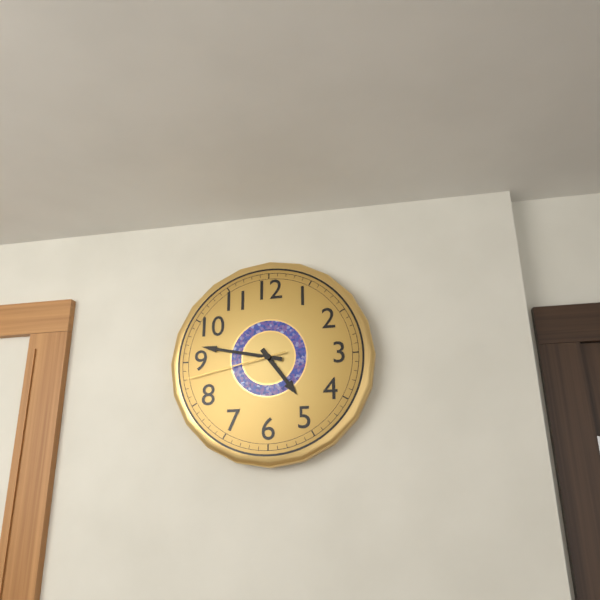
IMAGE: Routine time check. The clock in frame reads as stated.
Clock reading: 4:47:43
